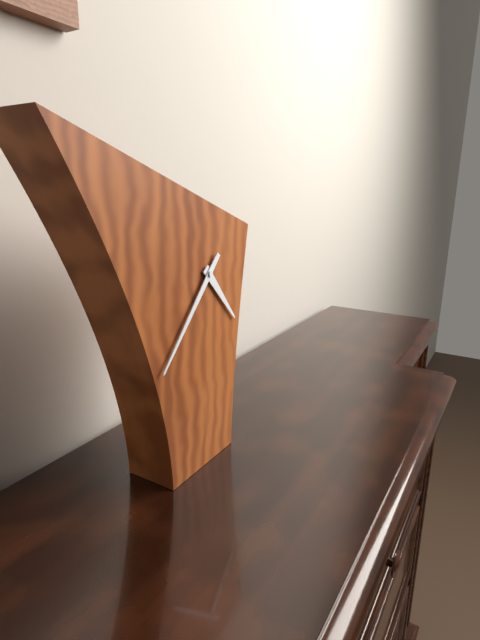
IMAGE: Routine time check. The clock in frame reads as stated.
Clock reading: 4:37
